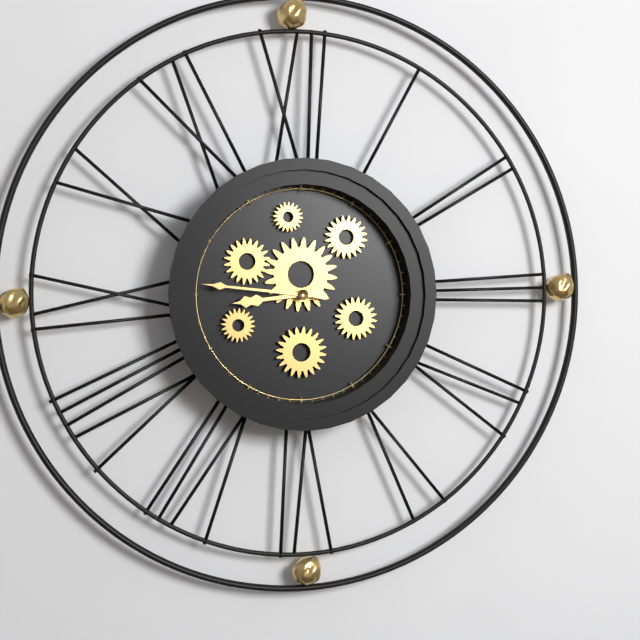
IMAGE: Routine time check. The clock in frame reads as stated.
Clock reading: 8:46
